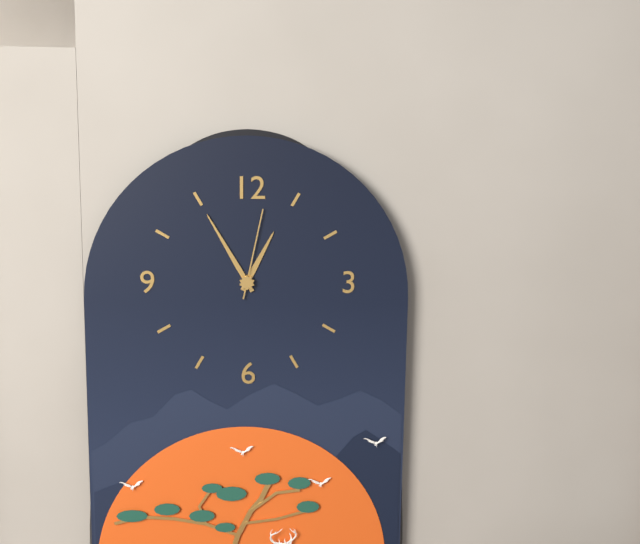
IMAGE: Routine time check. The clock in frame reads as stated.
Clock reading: 12:55:02
